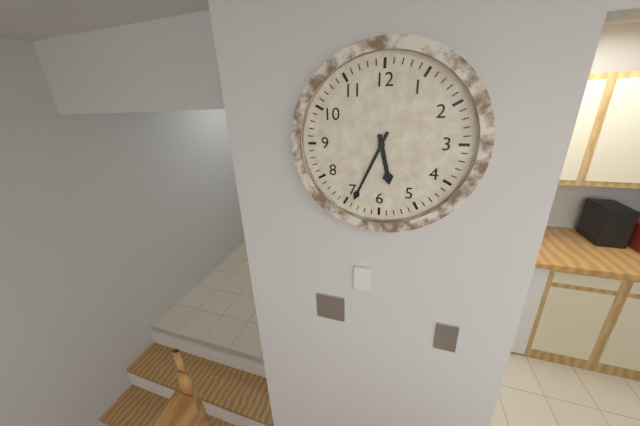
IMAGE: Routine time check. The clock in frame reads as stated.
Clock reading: 5:34
